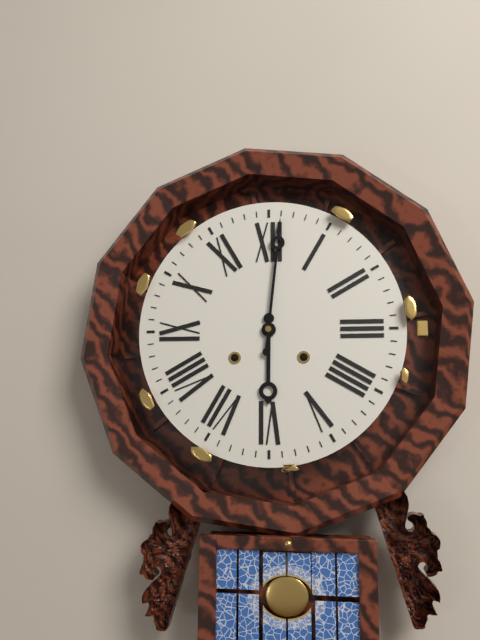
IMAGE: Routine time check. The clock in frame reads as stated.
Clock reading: 6:01
